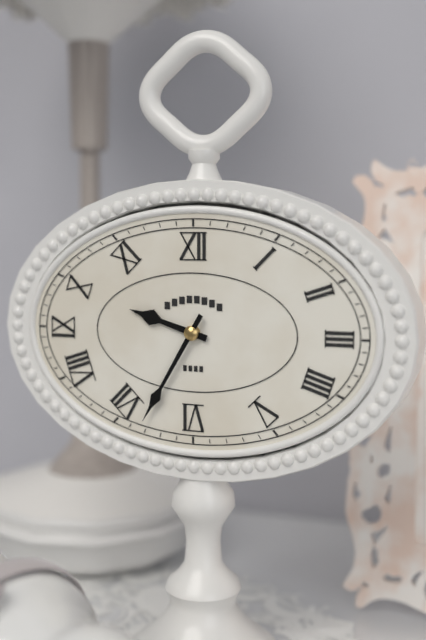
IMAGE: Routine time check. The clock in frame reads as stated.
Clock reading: 9:35
